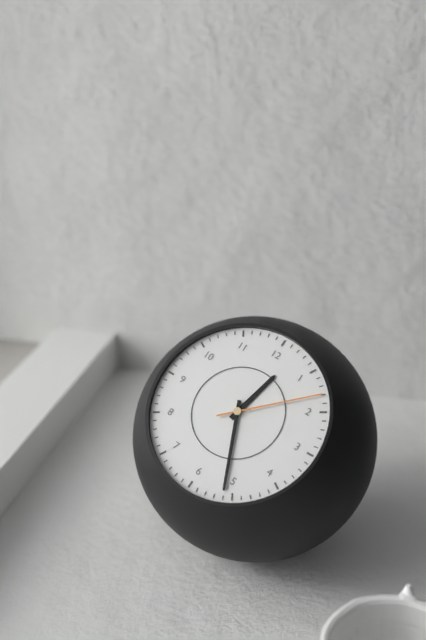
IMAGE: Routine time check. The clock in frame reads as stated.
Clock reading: 12:26:08
